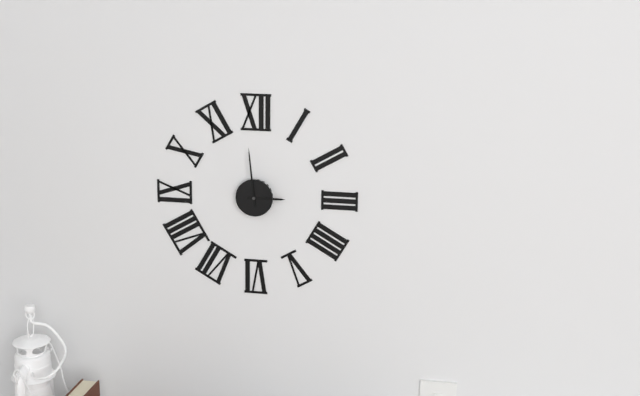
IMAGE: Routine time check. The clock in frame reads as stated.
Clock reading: 2:59
